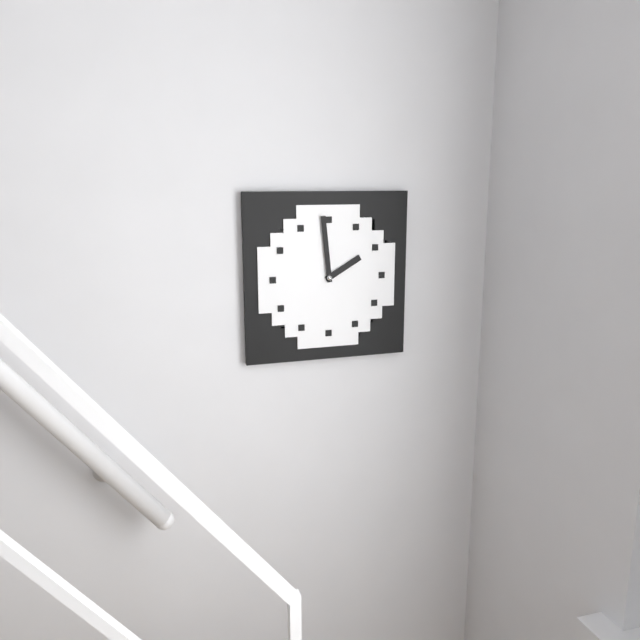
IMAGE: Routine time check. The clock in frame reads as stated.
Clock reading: 1:59
